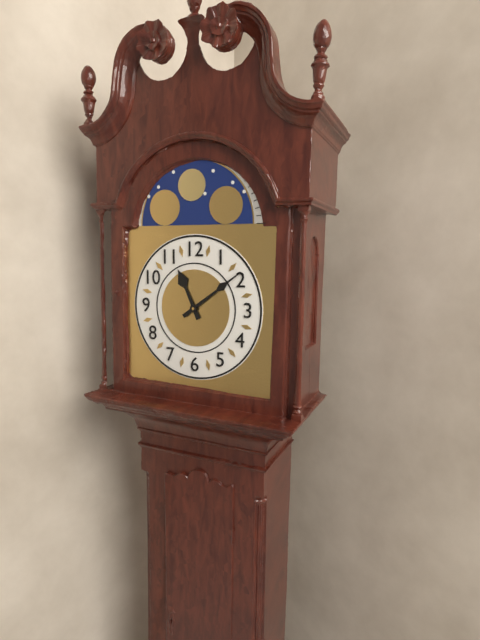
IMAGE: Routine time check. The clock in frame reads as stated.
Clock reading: 11:09
